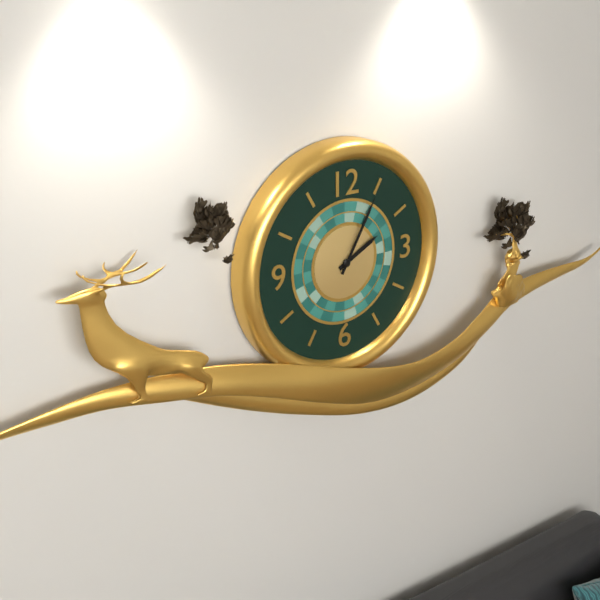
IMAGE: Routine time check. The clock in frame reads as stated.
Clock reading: 2:05
